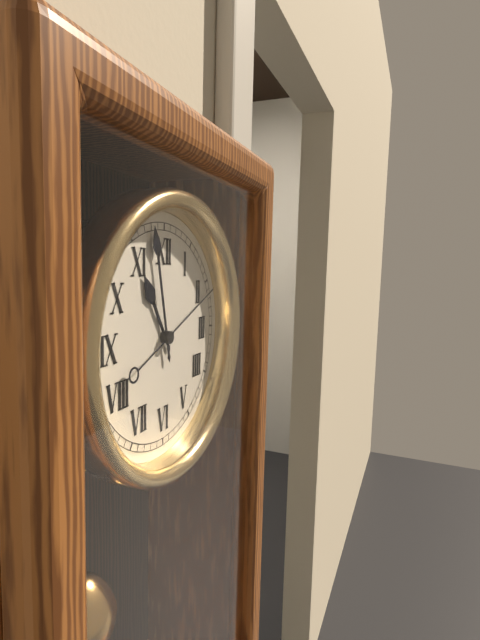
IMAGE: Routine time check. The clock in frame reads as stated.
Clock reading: 10:58:11
